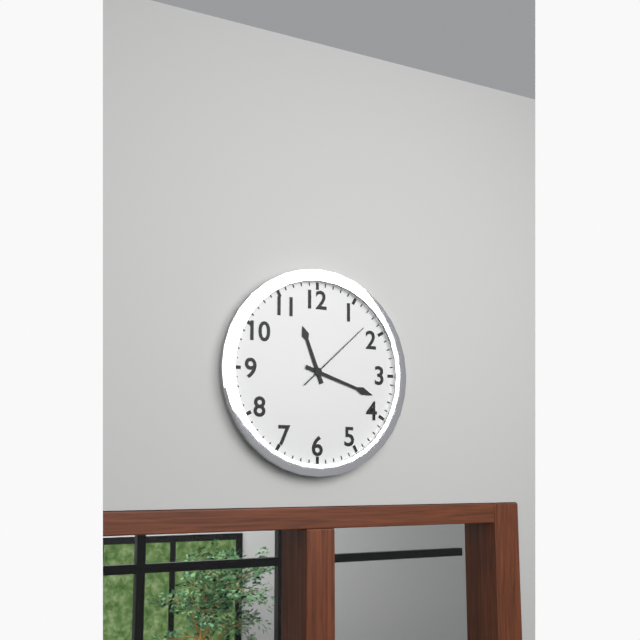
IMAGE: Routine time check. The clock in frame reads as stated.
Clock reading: 11:18:08
